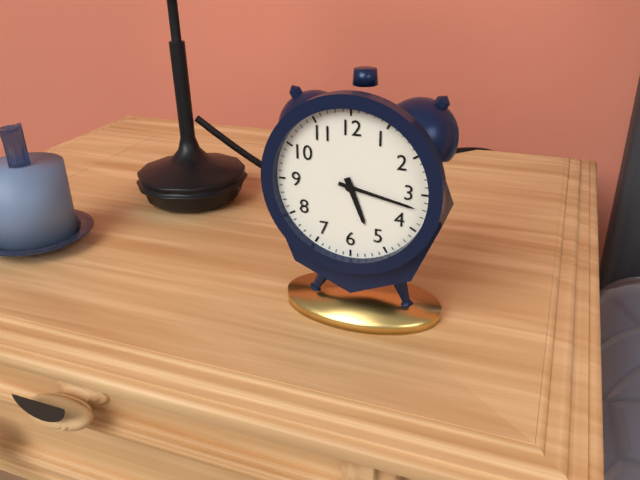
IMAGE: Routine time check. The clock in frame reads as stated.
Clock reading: 5:17
